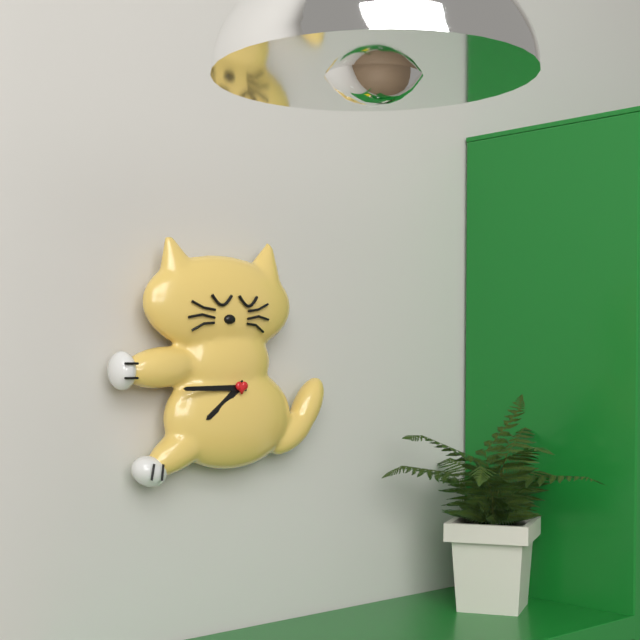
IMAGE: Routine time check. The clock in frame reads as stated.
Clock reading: 7:45
